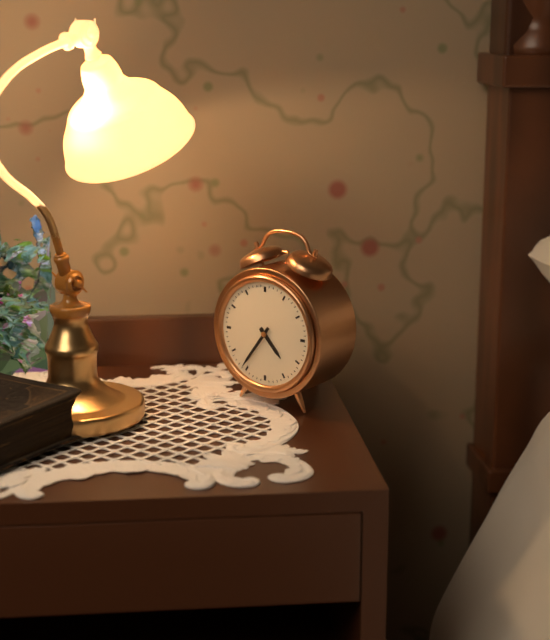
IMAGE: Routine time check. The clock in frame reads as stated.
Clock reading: 4:36
